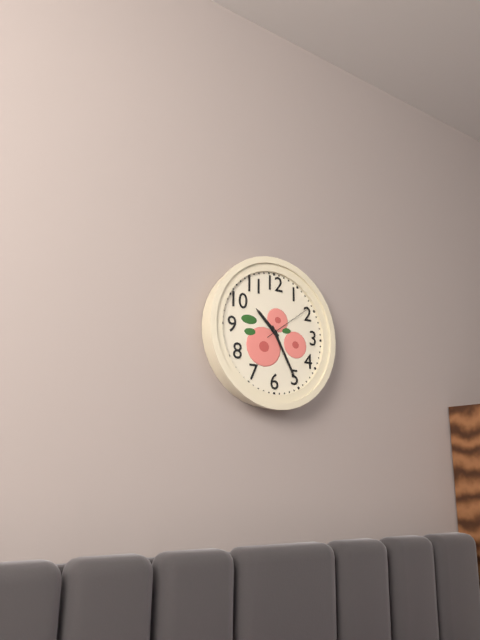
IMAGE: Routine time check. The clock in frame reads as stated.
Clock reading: 10:25:09
